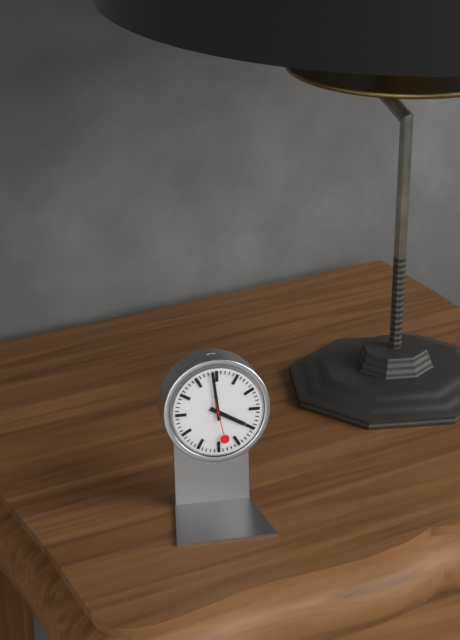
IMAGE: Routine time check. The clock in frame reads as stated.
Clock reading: 3:59
